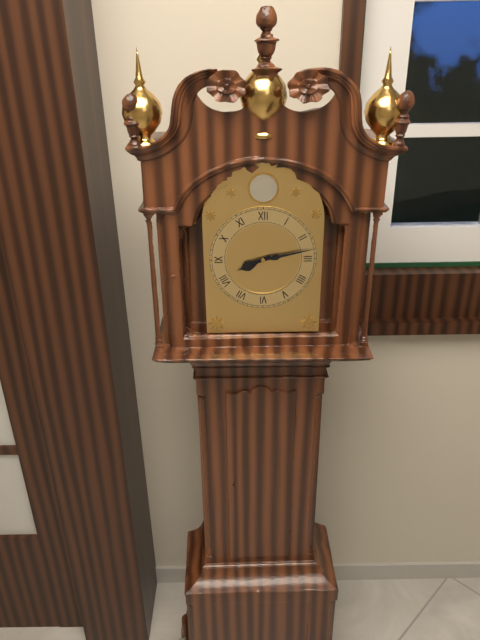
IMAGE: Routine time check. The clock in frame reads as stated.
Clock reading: 8:13
